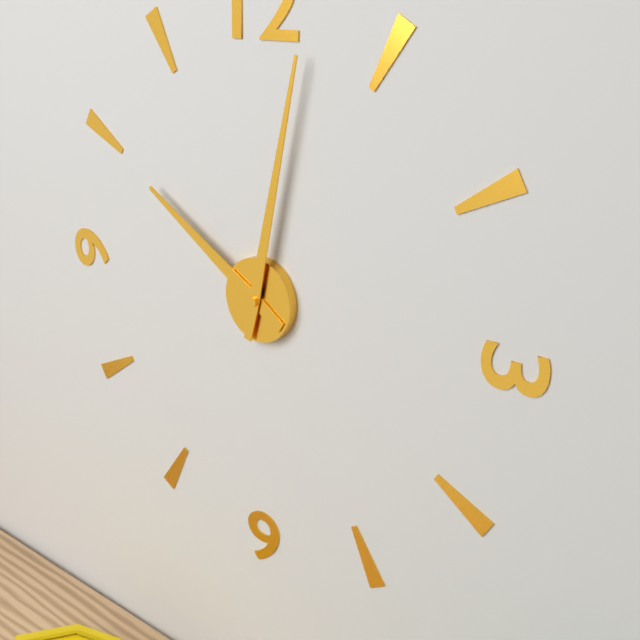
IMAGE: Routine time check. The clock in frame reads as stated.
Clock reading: 10:02
